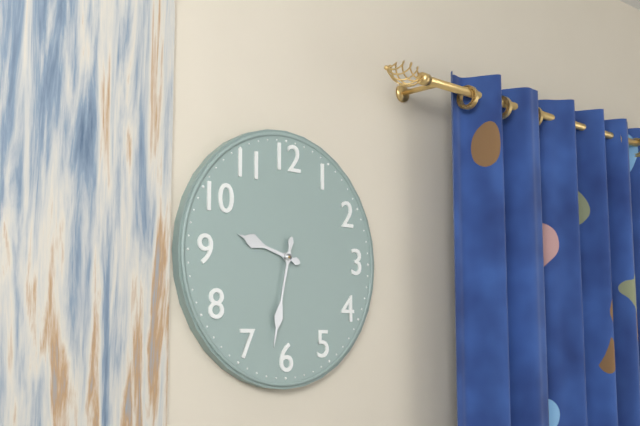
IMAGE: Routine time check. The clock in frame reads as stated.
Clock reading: 9:32
